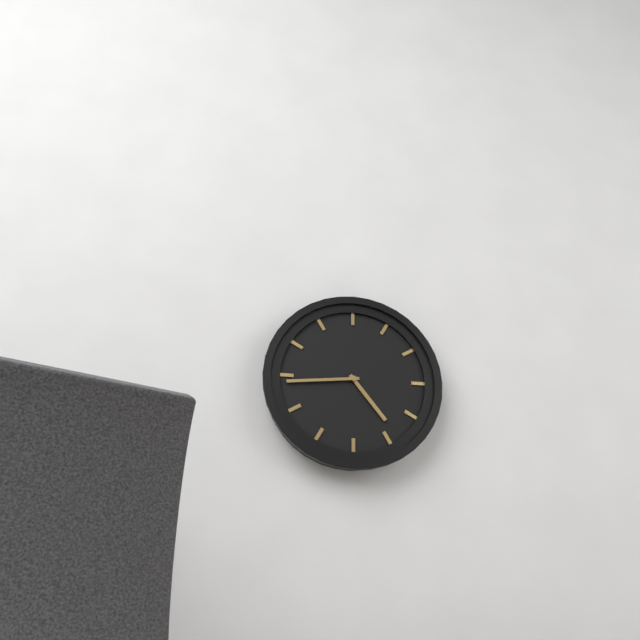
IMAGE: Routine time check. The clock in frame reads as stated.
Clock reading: 4:44
